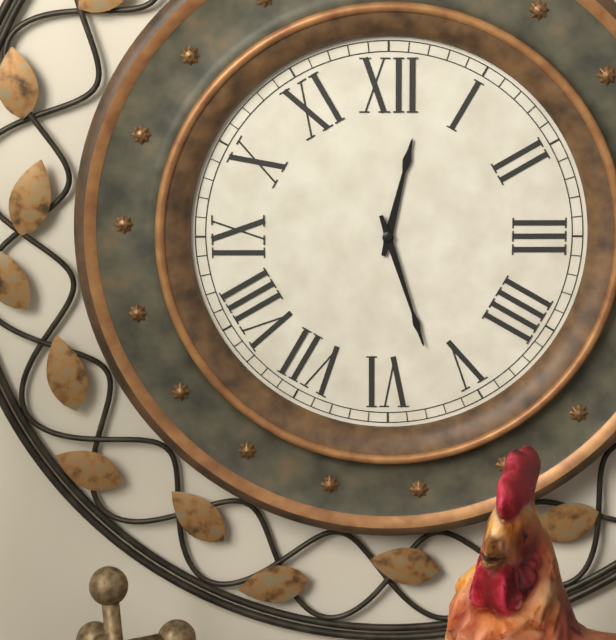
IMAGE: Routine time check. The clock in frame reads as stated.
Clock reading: 12:27
